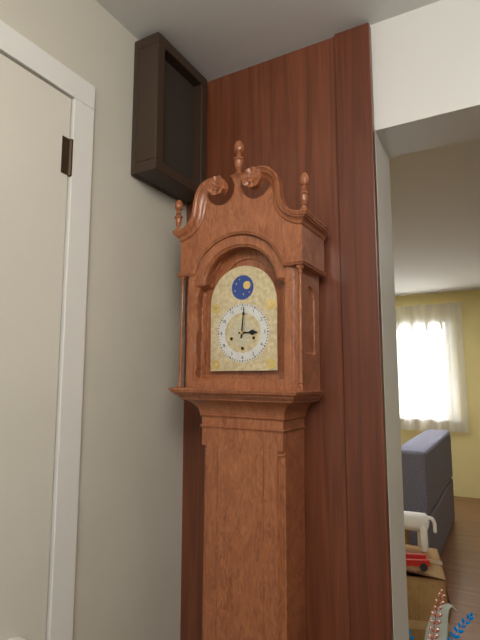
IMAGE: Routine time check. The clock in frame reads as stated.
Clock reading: 3:01
